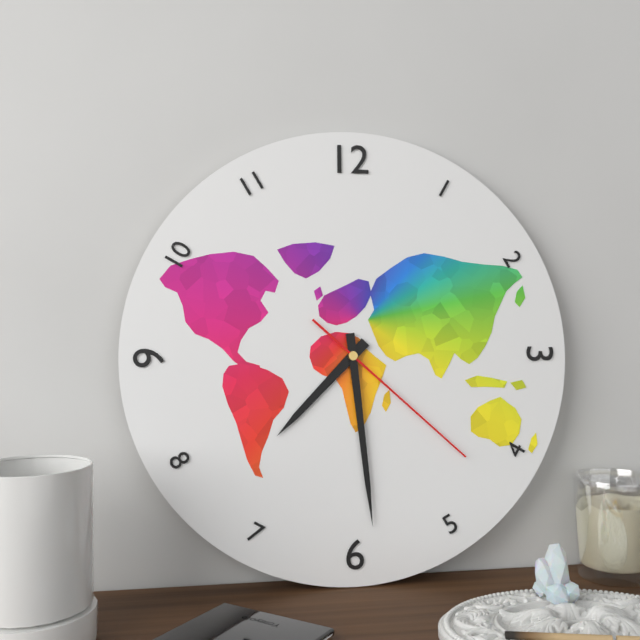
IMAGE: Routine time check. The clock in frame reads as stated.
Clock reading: 7:29:22
